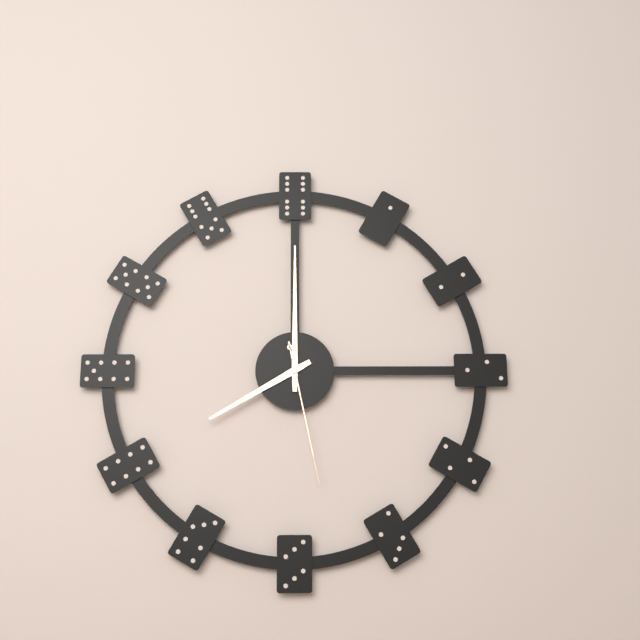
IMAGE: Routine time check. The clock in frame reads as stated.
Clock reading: 8:00:28
